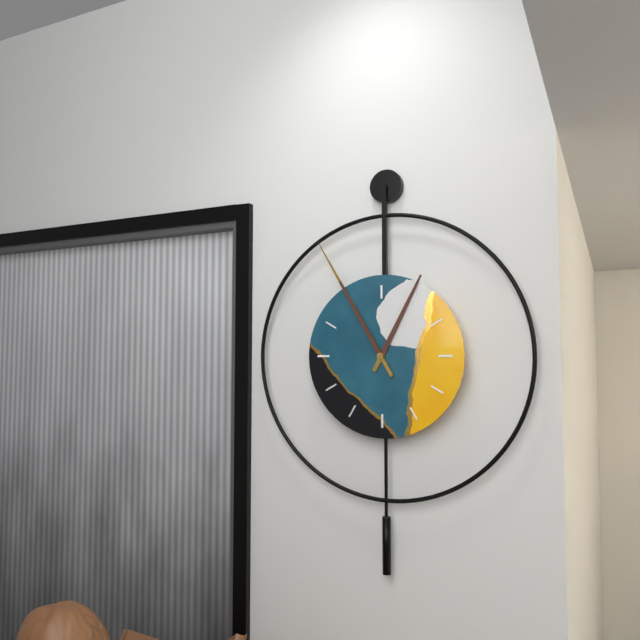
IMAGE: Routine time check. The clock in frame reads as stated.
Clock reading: 12:55
